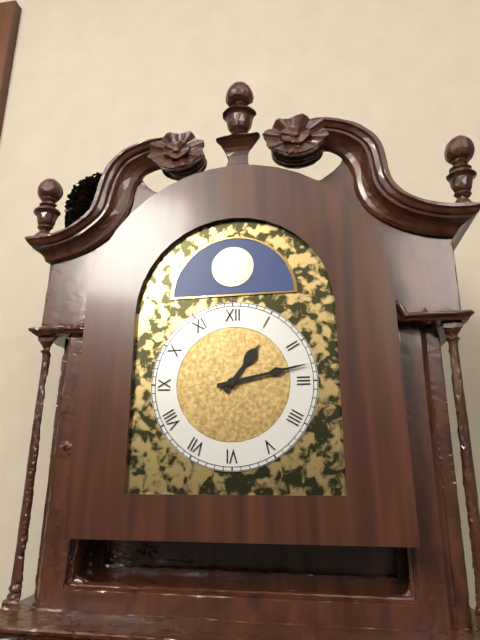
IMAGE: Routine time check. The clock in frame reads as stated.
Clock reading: 1:13
